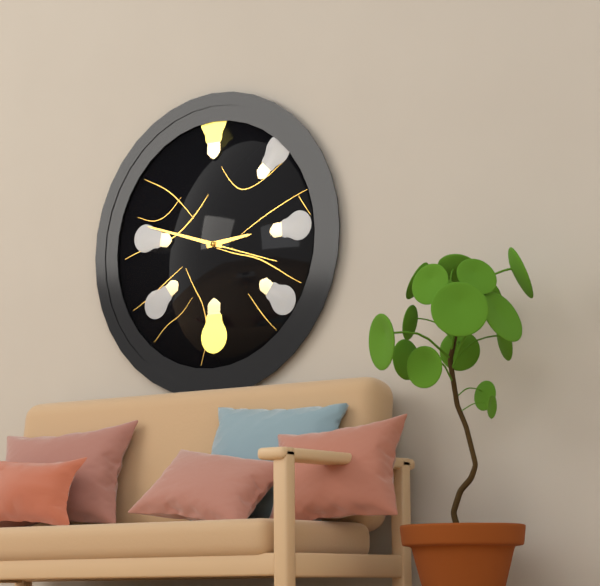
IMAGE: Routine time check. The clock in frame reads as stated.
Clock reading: 2:48:18
